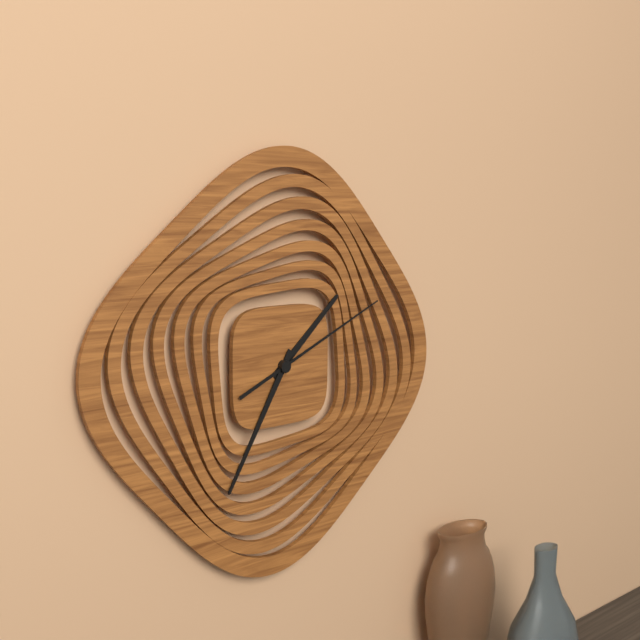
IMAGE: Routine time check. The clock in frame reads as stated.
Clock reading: 1:35:11
